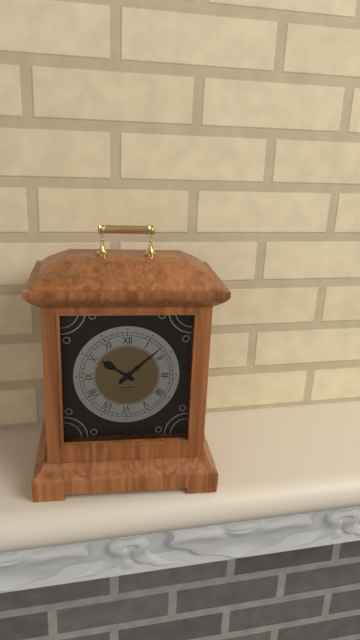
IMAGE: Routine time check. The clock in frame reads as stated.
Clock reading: 10:08
